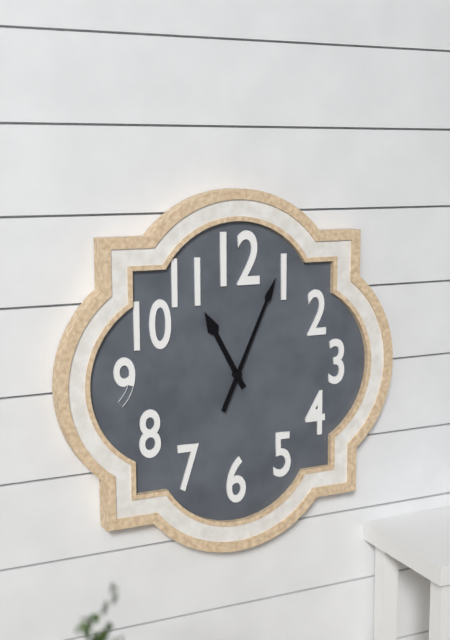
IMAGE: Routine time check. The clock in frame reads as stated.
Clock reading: 11:04
